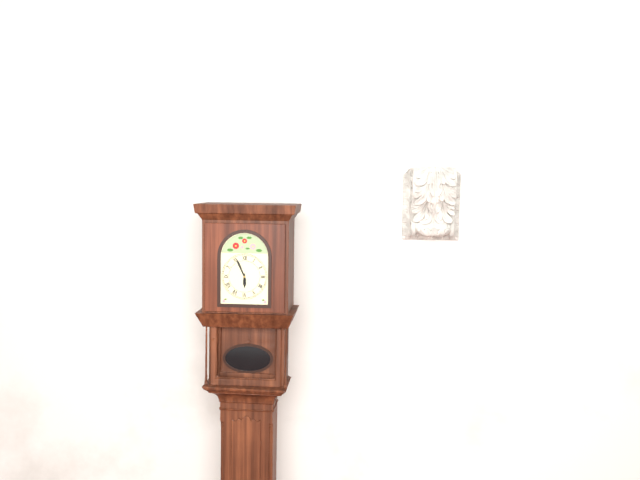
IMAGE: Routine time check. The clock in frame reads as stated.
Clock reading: 5:56
